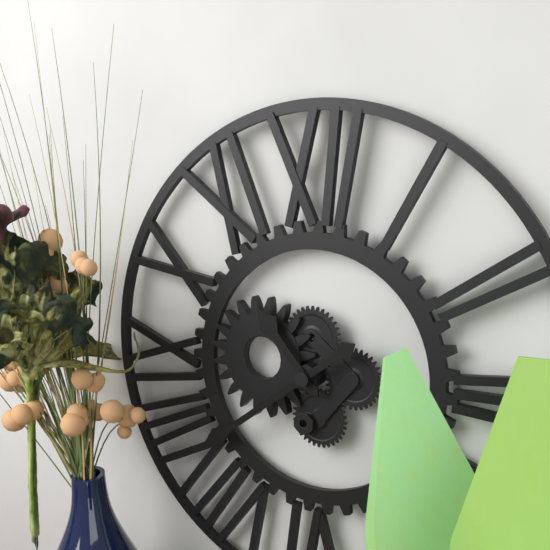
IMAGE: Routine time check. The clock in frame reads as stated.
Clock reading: 10:39
